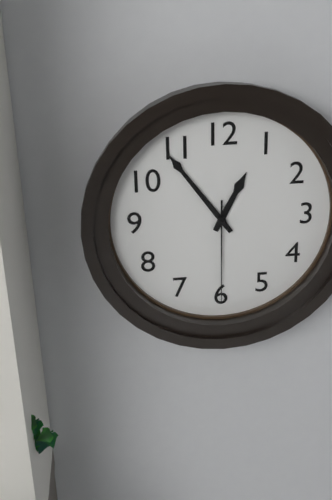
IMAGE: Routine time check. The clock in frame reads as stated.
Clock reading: 12:54:30
